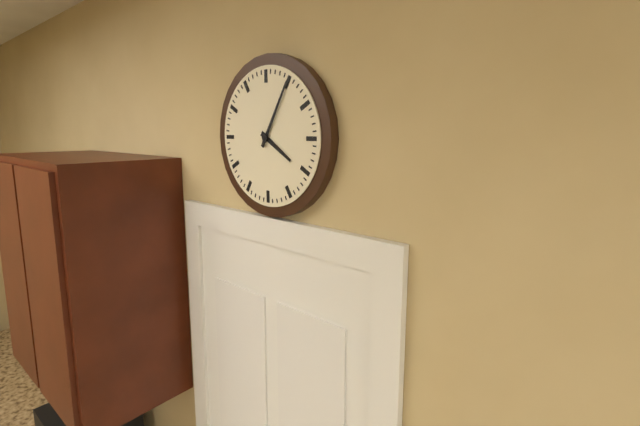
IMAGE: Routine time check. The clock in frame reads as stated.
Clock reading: 4:05
